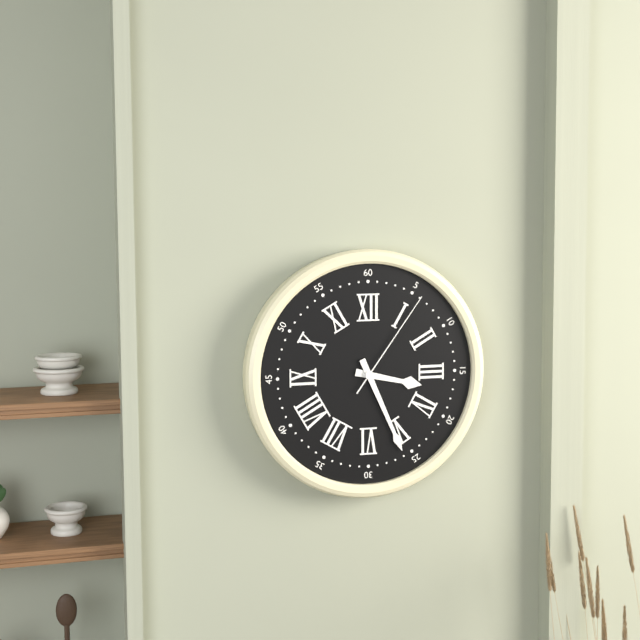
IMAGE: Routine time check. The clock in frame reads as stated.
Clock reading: 3:26:06
